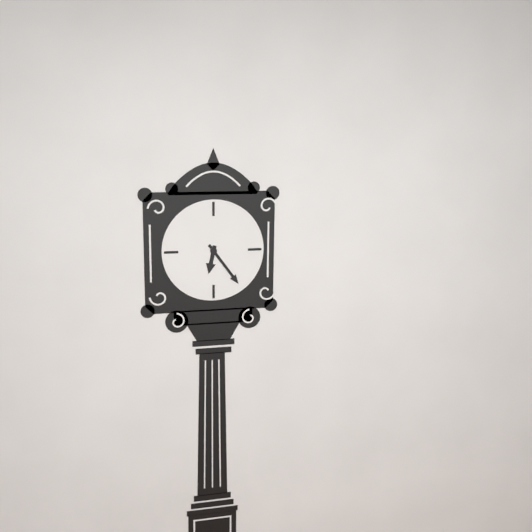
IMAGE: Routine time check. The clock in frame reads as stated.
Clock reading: 6:24
